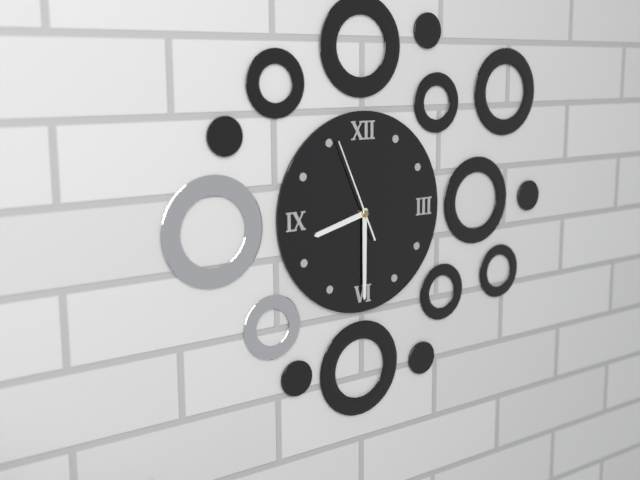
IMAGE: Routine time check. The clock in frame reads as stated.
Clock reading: 8:30:56
